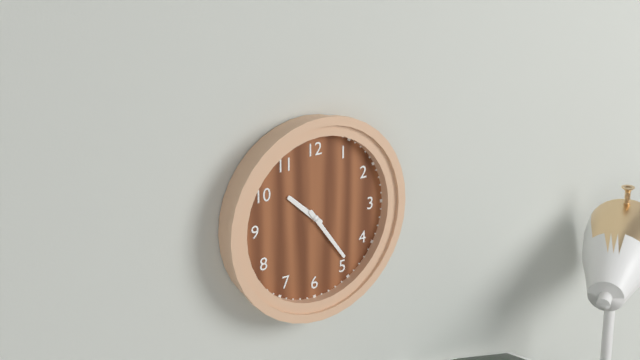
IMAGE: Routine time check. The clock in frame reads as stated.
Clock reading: 10:24
